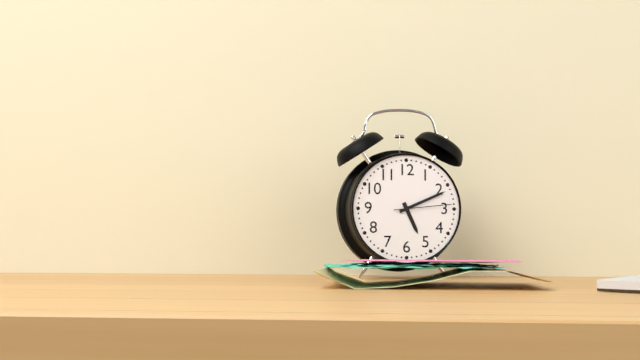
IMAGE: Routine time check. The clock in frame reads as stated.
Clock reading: 5:11:14
